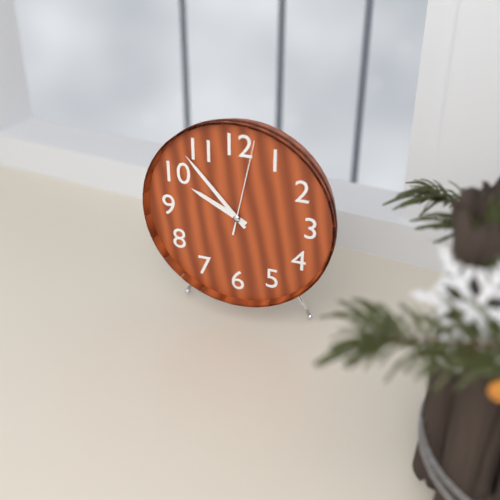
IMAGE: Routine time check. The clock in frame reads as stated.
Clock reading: 9:53:02
